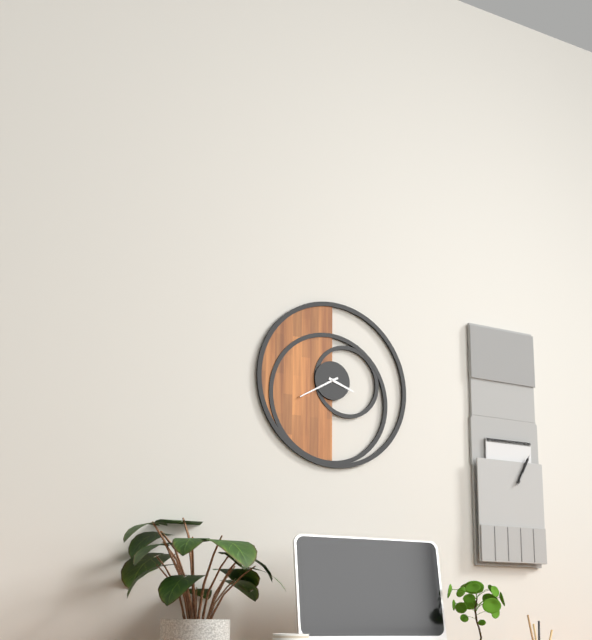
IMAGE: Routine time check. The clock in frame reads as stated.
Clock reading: 3:40
